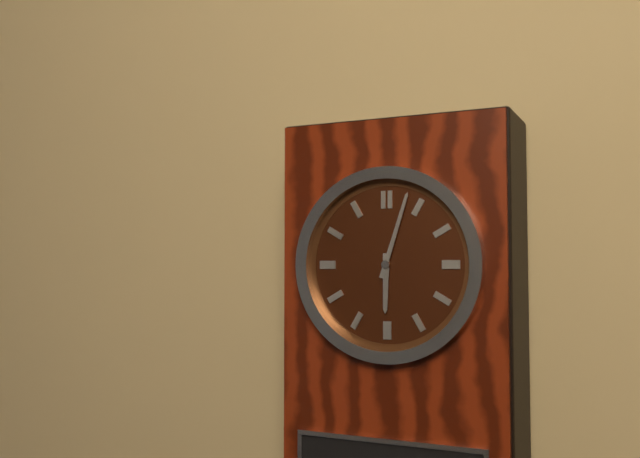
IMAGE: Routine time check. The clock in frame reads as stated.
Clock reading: 6:03
